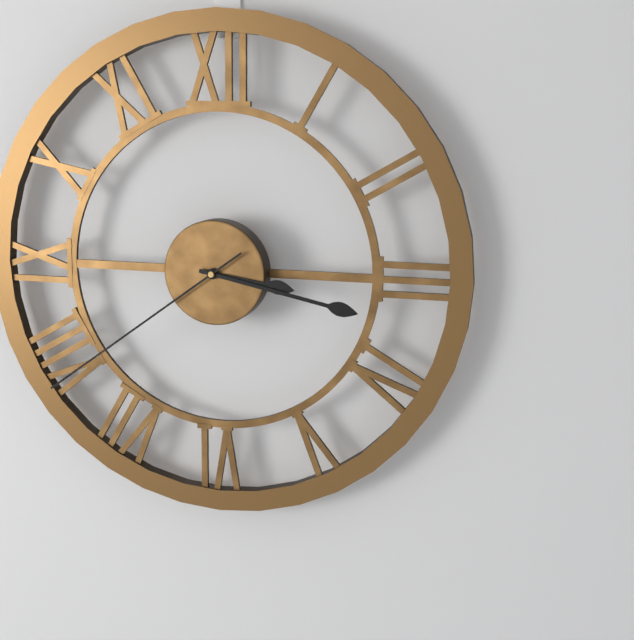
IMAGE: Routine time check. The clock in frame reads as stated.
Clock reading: 3:17:39
